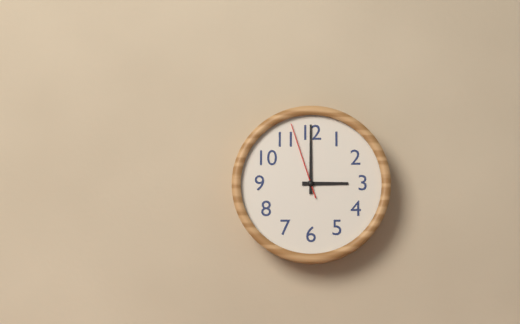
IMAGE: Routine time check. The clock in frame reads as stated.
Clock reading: 3:00:57
